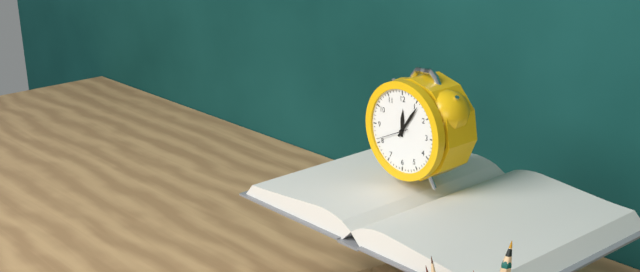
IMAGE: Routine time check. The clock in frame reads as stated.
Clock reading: 12:06
